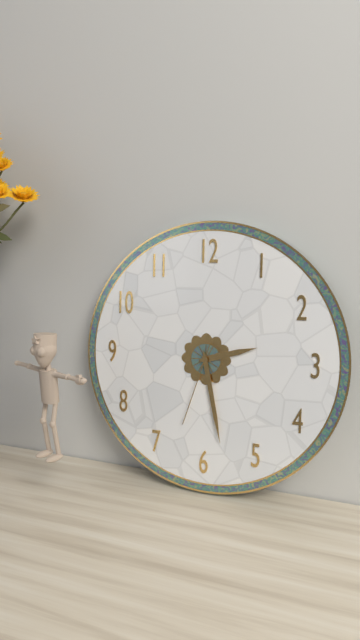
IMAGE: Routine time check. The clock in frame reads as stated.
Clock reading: 2:28:33
